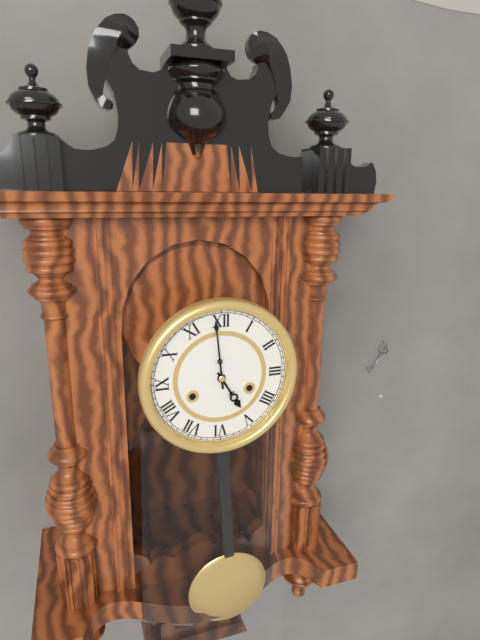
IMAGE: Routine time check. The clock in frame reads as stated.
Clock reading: 4:59
